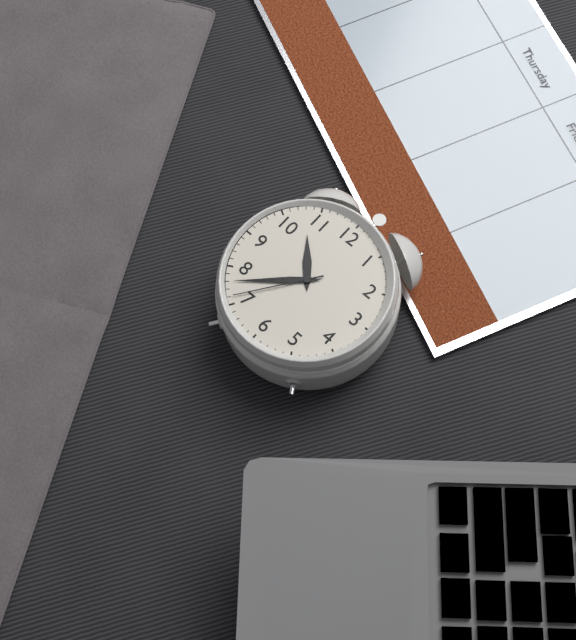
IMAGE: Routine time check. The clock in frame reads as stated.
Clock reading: 10:38:36
